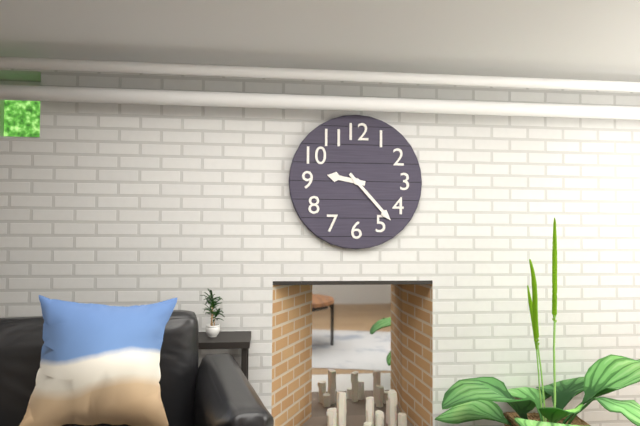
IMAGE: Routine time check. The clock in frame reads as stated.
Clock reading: 9:23
